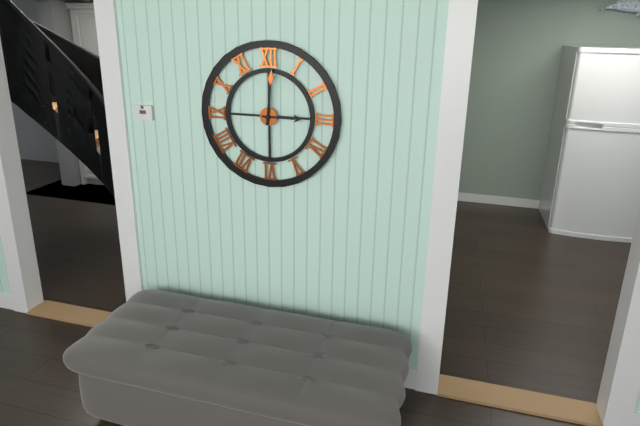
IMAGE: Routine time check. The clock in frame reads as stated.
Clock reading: 3:01
